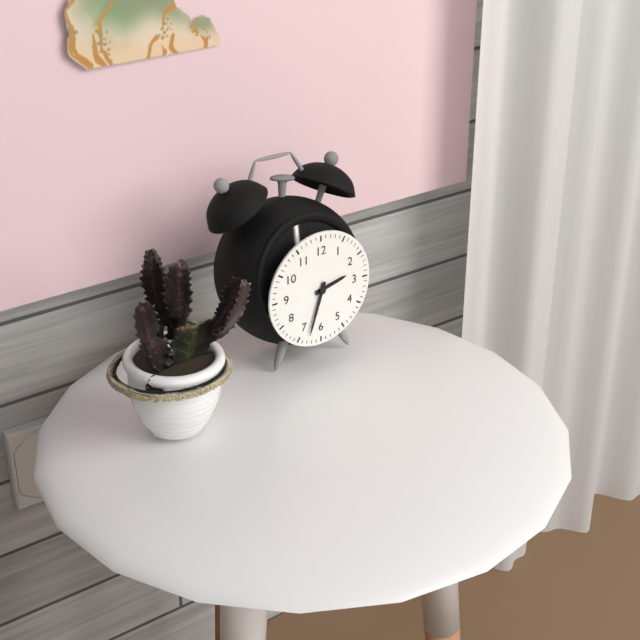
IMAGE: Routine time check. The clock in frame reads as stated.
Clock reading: 2:33
